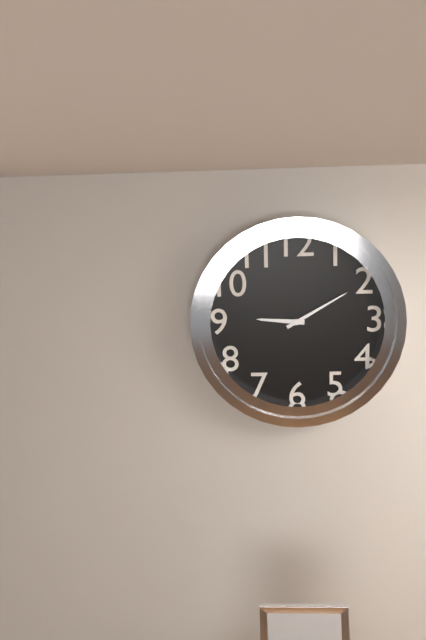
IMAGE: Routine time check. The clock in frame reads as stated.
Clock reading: 9:10
